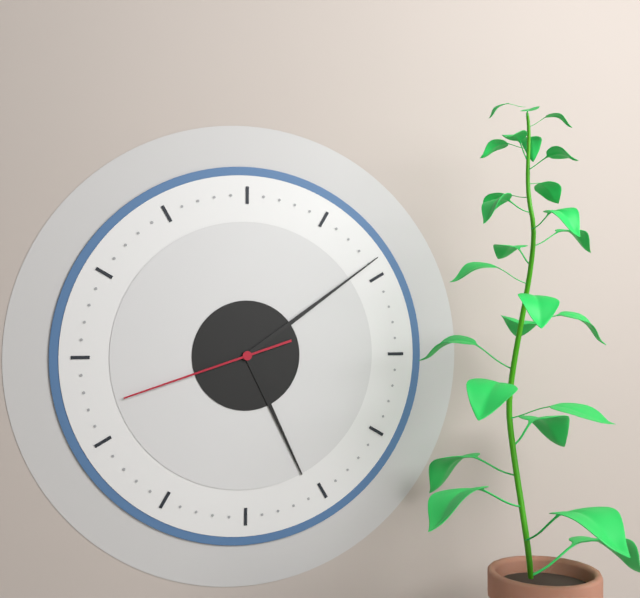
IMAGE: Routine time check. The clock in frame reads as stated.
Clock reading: 5:09:42
